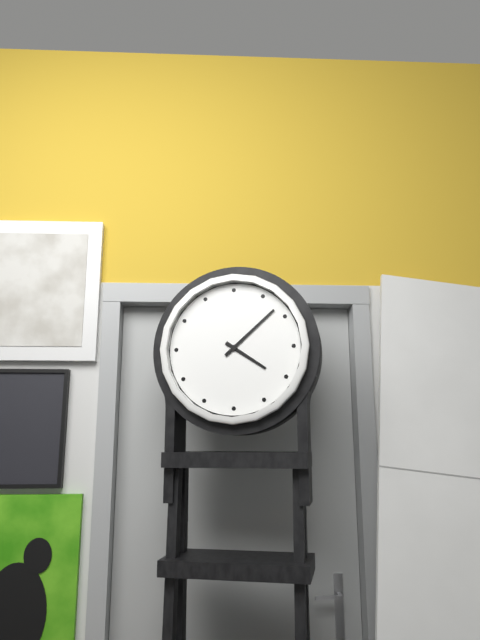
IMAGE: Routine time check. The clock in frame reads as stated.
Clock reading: 4:08
